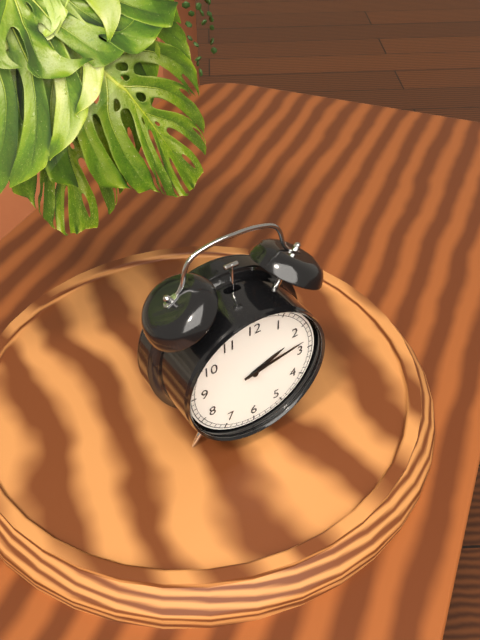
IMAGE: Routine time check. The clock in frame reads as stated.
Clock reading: 2:13
